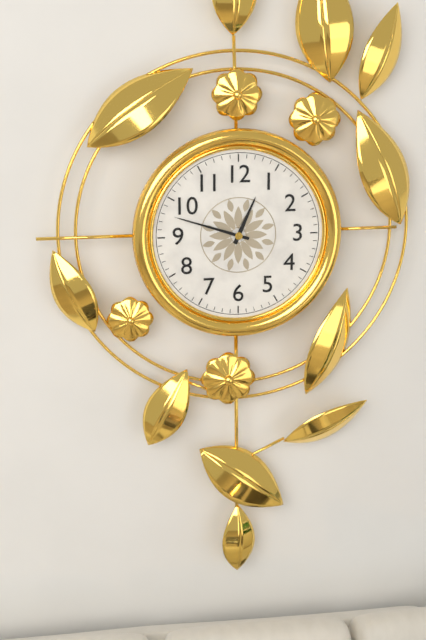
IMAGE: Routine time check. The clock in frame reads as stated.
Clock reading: 12:48
